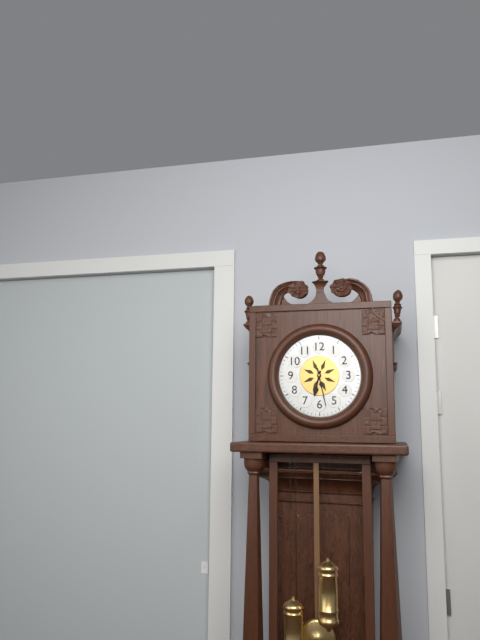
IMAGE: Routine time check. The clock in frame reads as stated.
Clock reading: 6:28
